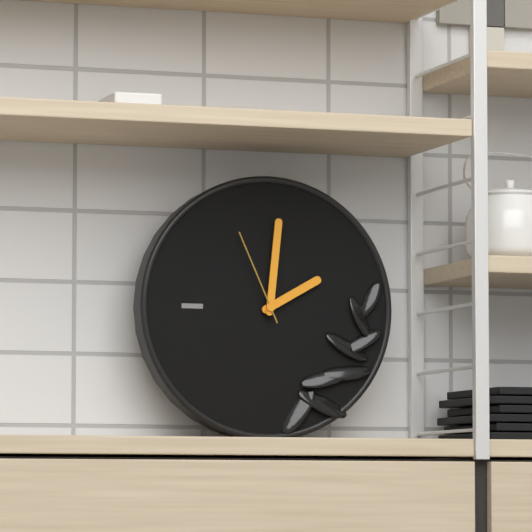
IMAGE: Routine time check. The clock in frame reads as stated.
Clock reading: 2:01:56
